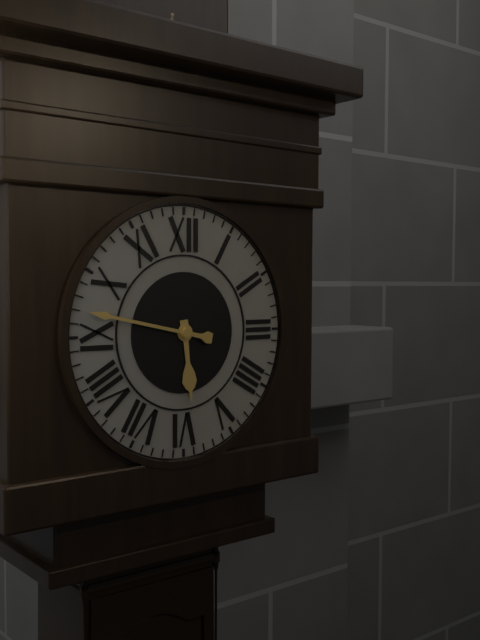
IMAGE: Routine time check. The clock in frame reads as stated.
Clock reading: 5:47
